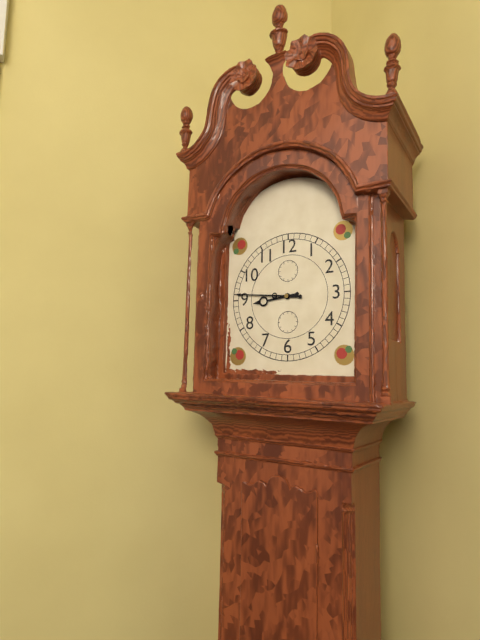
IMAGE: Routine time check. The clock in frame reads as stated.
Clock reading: 8:46
